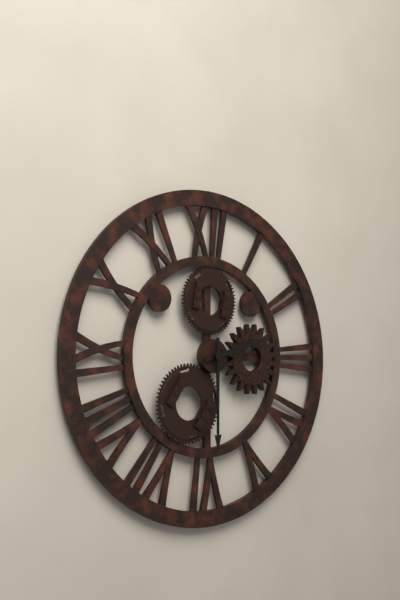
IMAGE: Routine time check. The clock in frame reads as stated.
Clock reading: 2:30
